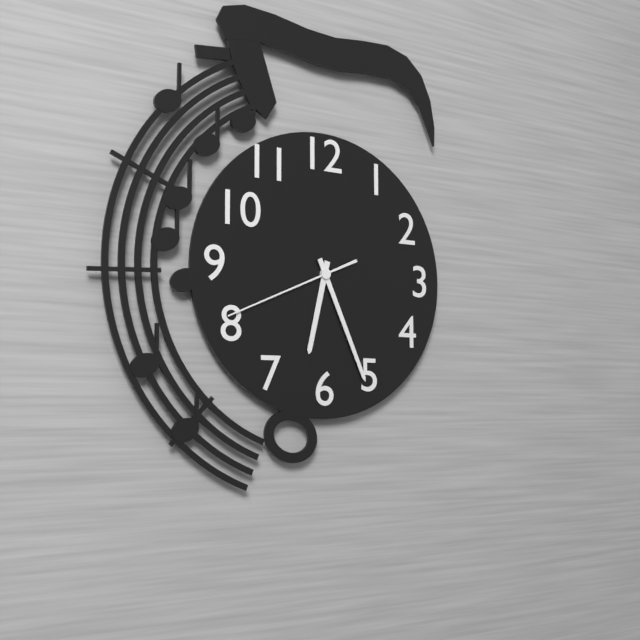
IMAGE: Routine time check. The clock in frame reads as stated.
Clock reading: 6:26:41
